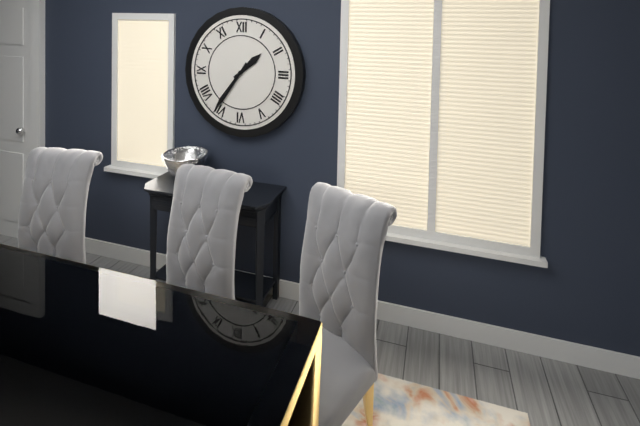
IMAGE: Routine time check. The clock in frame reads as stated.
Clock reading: 1:36
